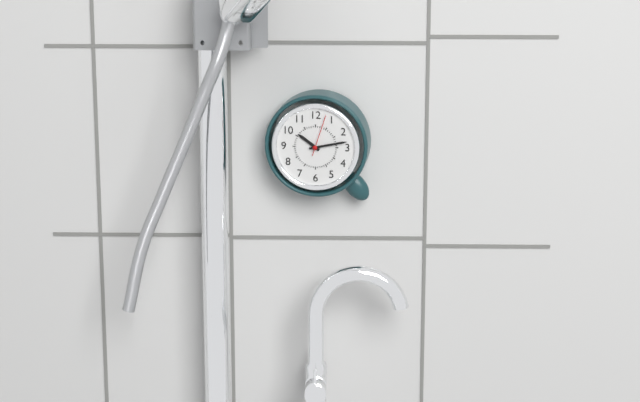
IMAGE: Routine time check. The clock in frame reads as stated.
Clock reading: 10:13
